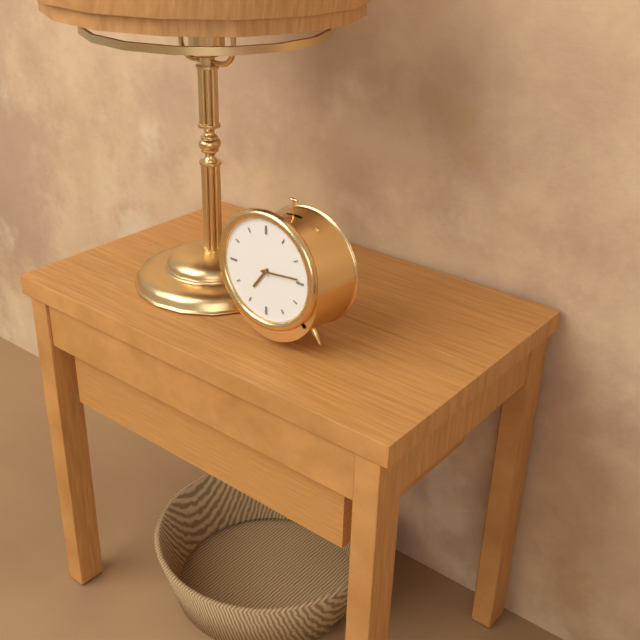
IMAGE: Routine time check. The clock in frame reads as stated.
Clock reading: 7:14
